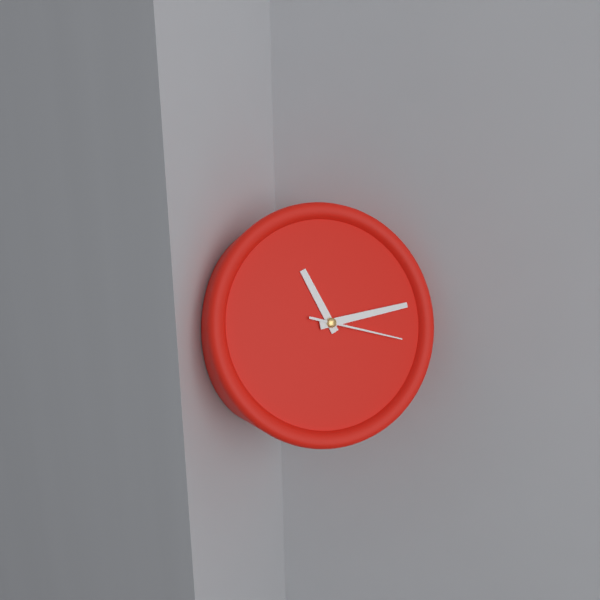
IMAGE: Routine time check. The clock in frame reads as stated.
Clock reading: 11:14:18
